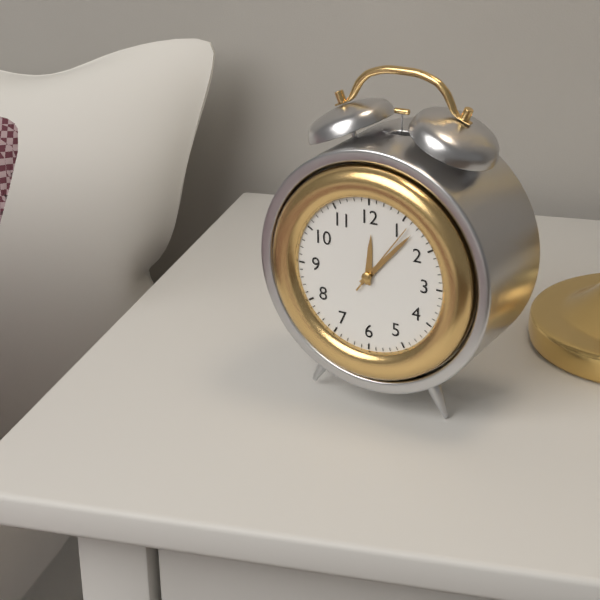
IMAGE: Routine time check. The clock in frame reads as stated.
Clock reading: 12:07:06
